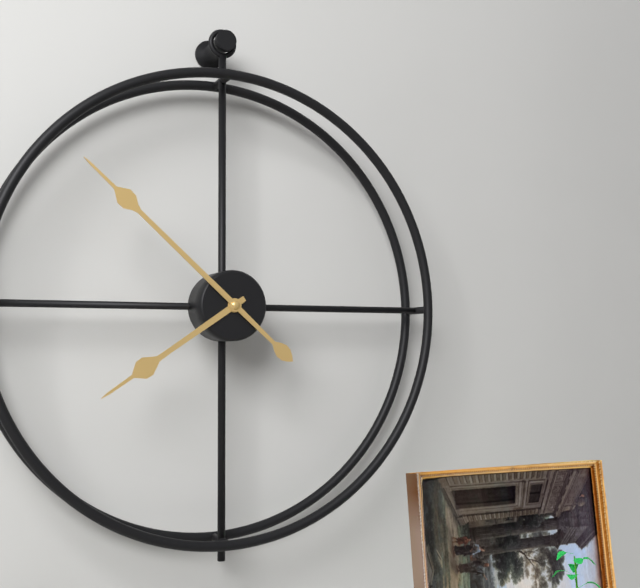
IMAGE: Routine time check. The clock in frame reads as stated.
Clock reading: 7:52
